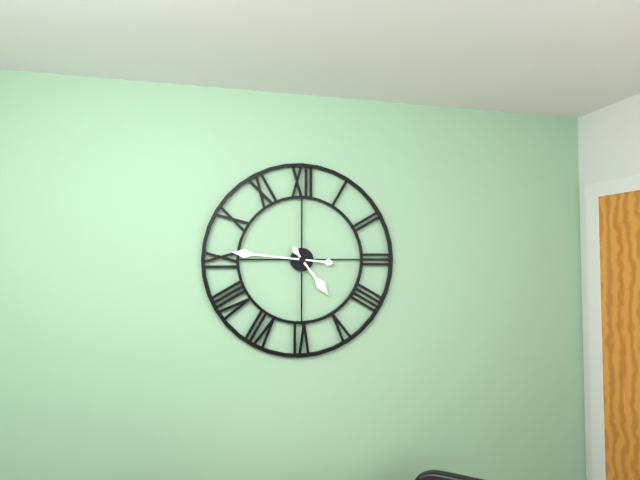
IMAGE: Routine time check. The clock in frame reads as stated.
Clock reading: 4:46
